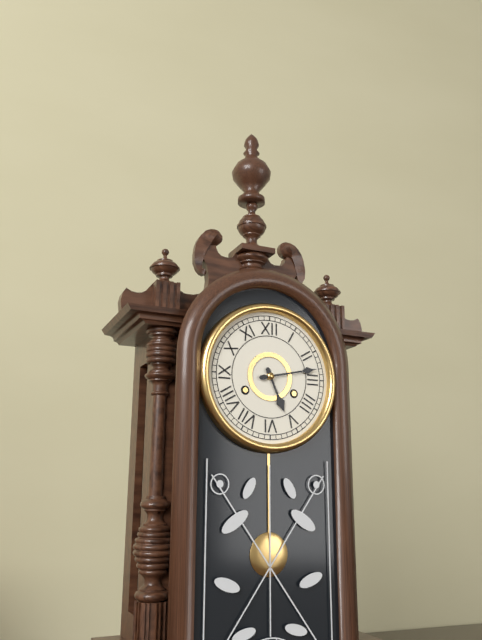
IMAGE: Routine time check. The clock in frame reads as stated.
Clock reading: 5:13
